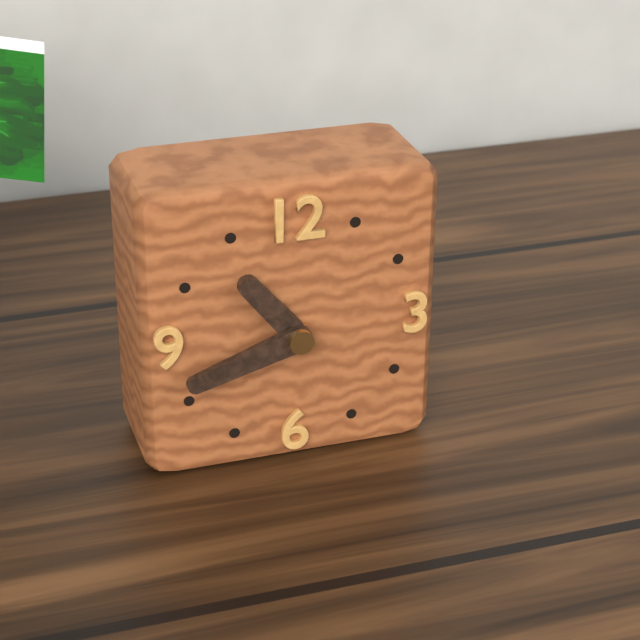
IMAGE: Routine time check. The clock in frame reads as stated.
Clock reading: 10:42
